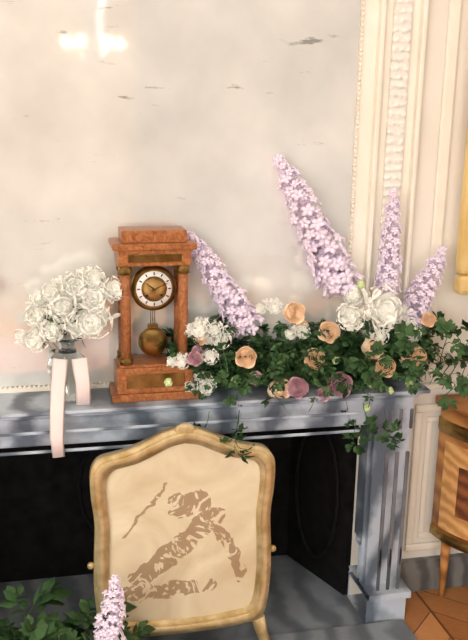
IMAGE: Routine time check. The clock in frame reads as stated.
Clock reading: 10:11
